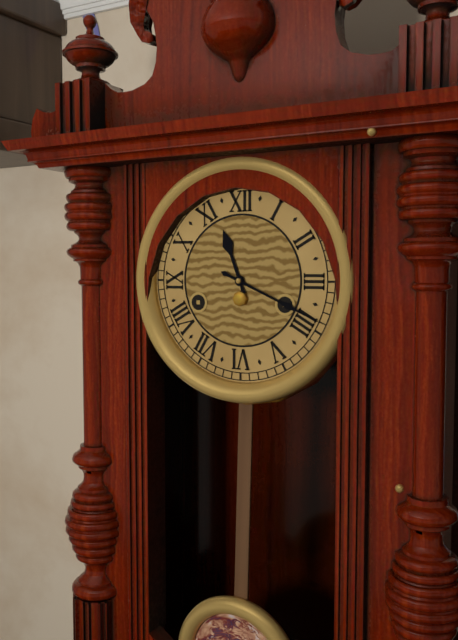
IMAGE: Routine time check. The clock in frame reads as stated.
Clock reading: 11:19
